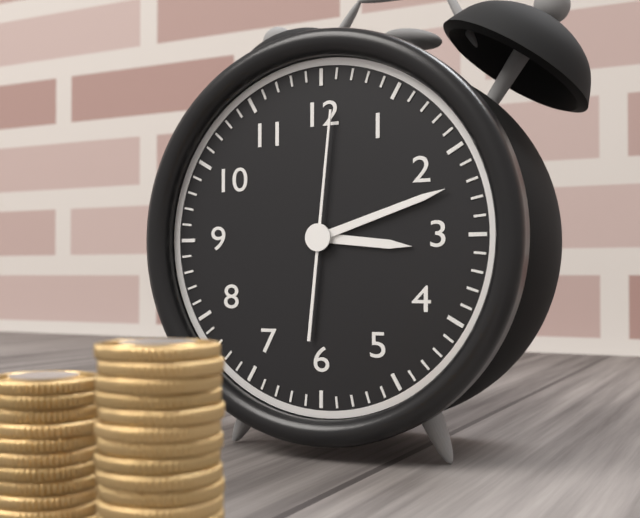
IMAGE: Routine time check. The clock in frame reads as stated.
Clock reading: 3:12:01
